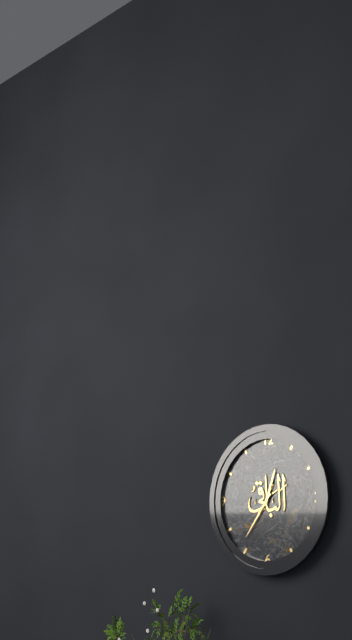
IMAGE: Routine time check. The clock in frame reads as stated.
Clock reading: 12:36
